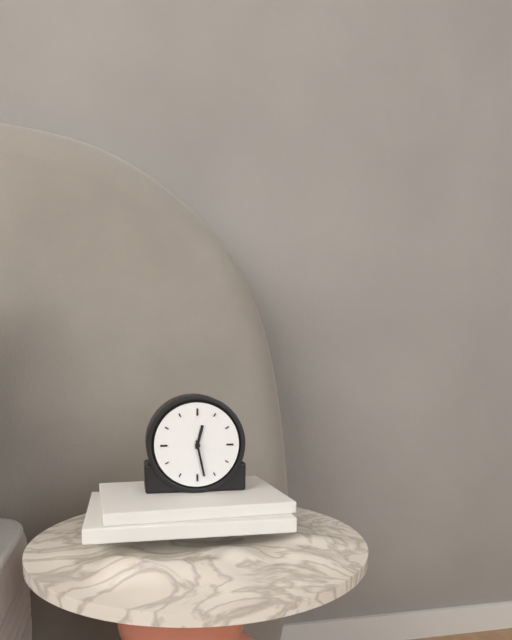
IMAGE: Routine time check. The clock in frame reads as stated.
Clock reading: 12:28
